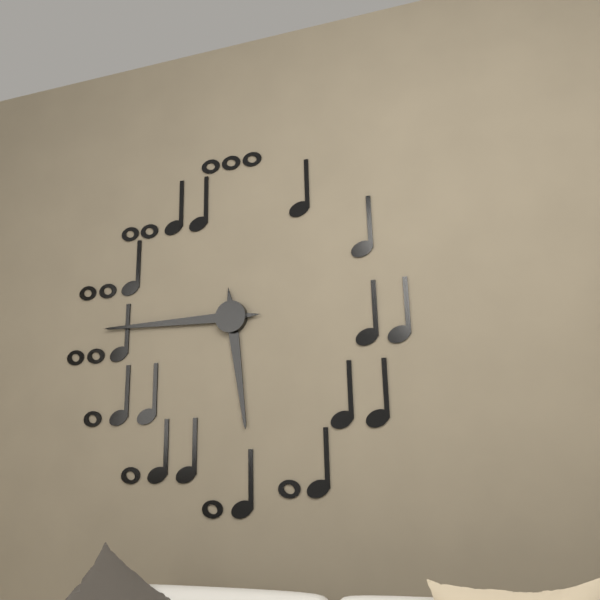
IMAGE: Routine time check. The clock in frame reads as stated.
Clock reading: 5:45
